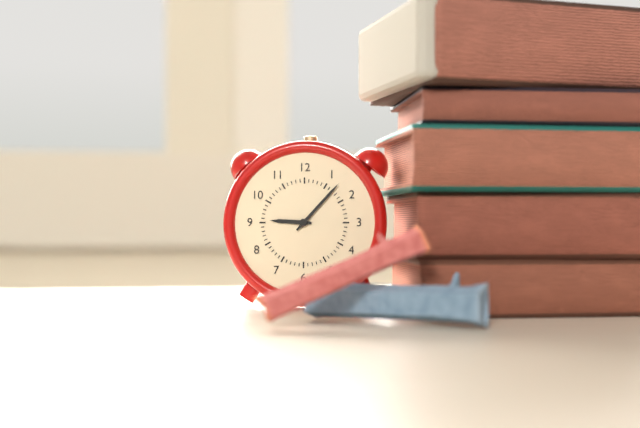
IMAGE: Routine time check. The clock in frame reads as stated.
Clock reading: 9:07
